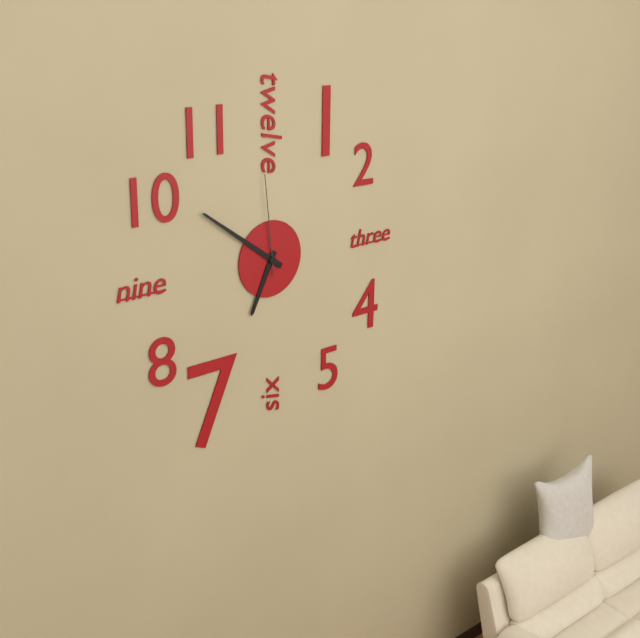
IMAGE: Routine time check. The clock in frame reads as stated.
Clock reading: 6:51:59
